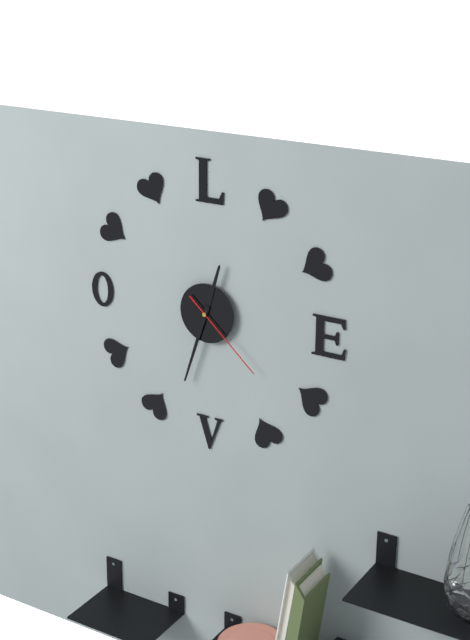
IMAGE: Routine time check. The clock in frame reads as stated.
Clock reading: 12:33:22
